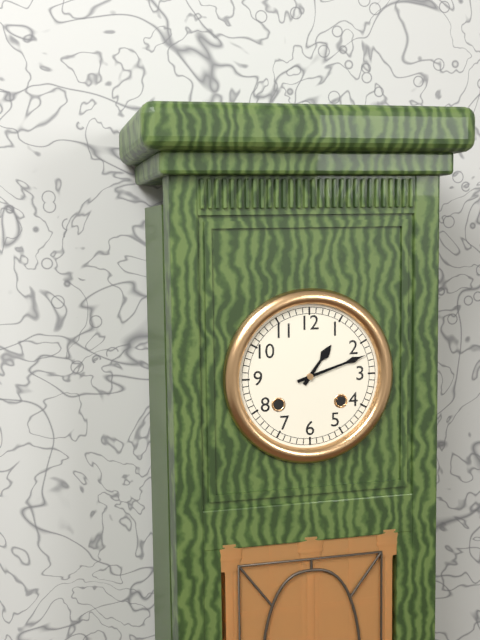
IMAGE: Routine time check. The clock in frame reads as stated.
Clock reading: 1:12
